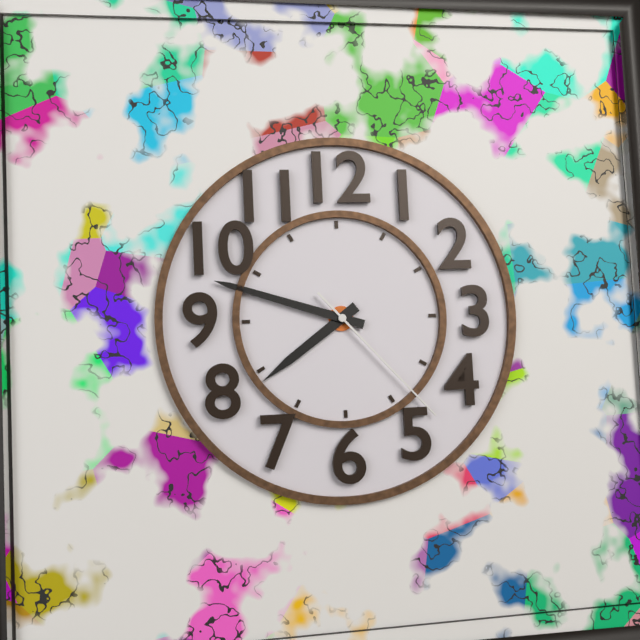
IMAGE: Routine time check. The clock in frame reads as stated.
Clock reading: 7:48:23
